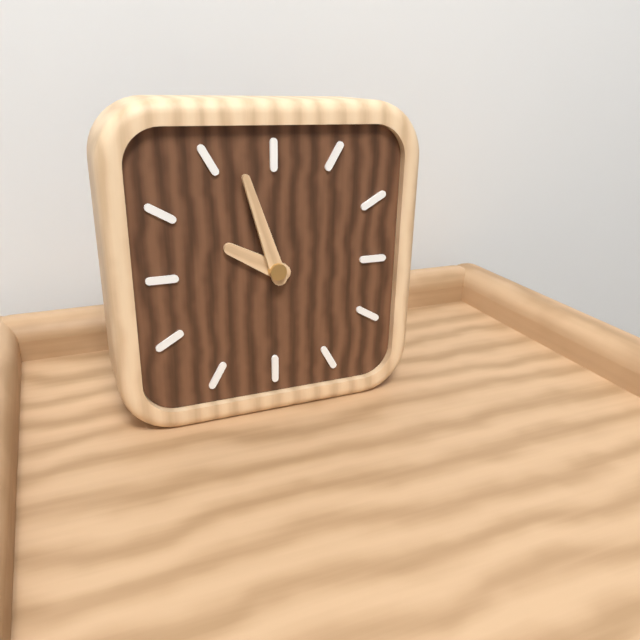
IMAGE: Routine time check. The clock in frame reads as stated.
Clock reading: 9:57
